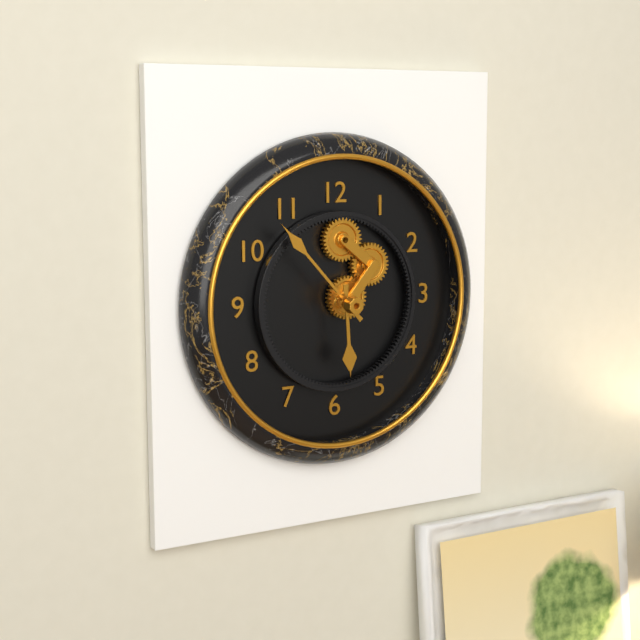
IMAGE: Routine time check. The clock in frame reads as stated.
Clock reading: 5:53
